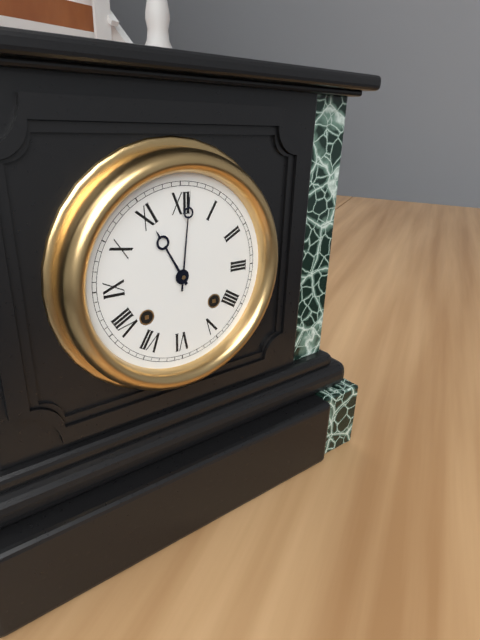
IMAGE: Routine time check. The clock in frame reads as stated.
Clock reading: 11:01
